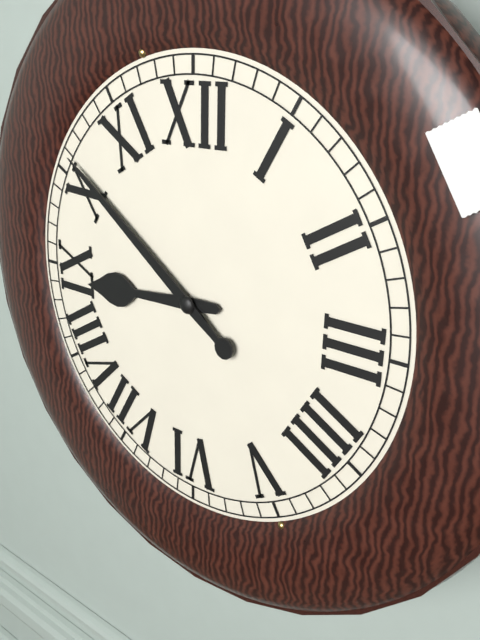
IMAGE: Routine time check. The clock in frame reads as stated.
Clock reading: 8:51
